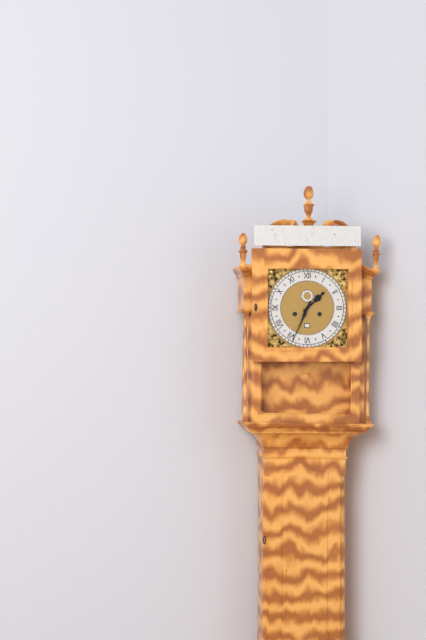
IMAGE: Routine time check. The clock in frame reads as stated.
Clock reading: 1:34
